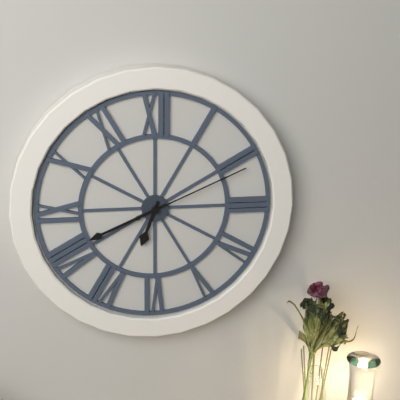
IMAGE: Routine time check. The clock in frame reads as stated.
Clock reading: 6:41:11
